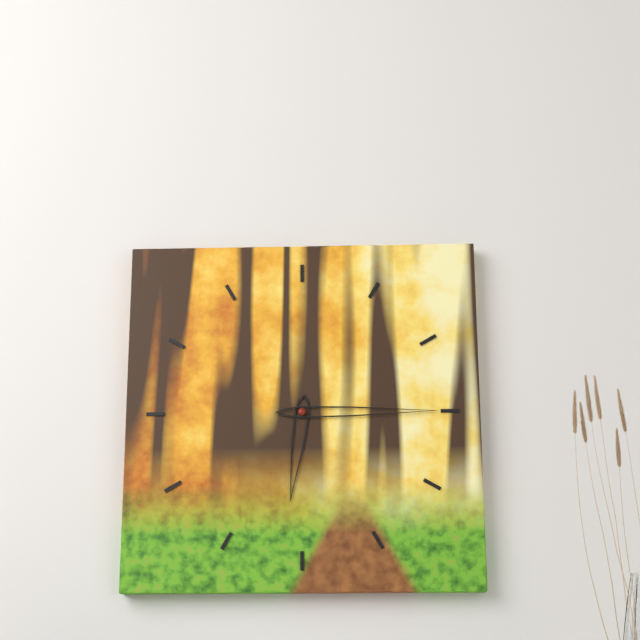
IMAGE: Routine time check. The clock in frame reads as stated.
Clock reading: 6:15
